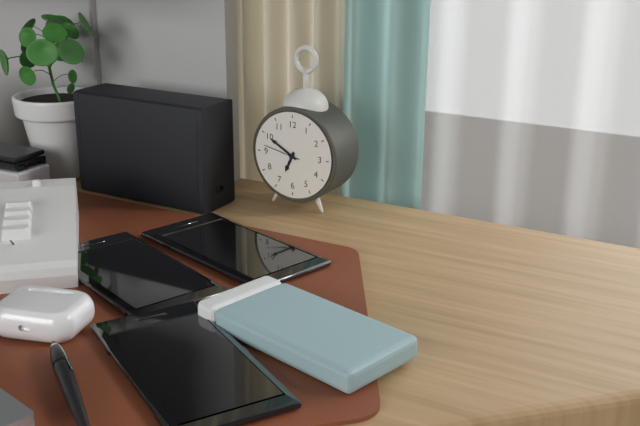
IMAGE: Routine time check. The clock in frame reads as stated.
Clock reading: 6:50
